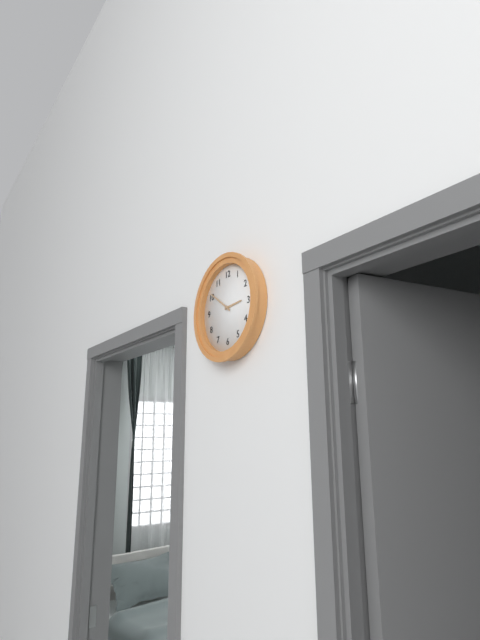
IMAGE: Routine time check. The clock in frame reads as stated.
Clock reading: 2:51
